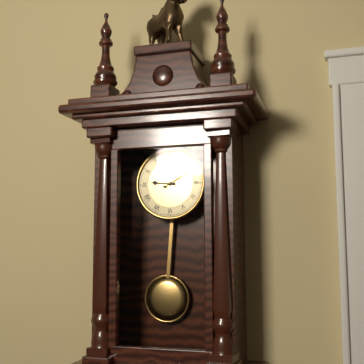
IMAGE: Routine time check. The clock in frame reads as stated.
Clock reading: 9:10
